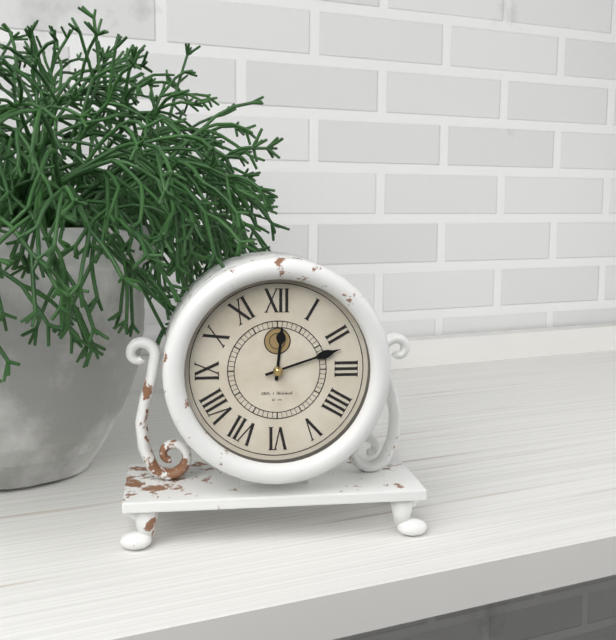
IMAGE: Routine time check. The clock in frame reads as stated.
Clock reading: 12:12
